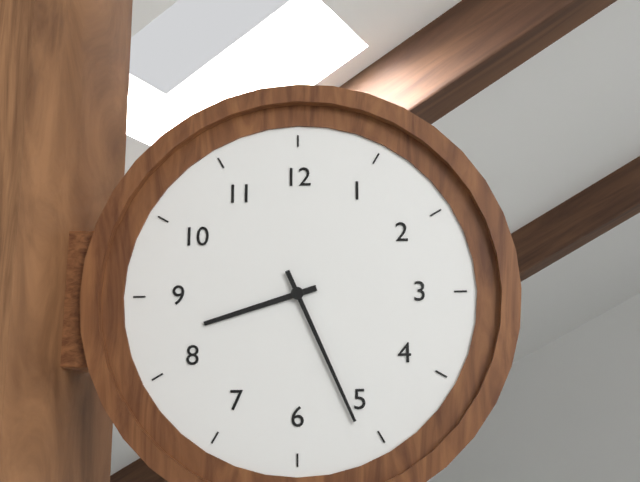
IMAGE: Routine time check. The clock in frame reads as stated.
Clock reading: 8:26
